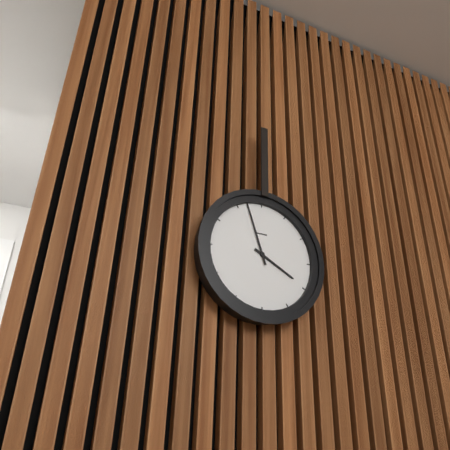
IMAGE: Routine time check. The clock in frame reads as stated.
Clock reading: 3:57
